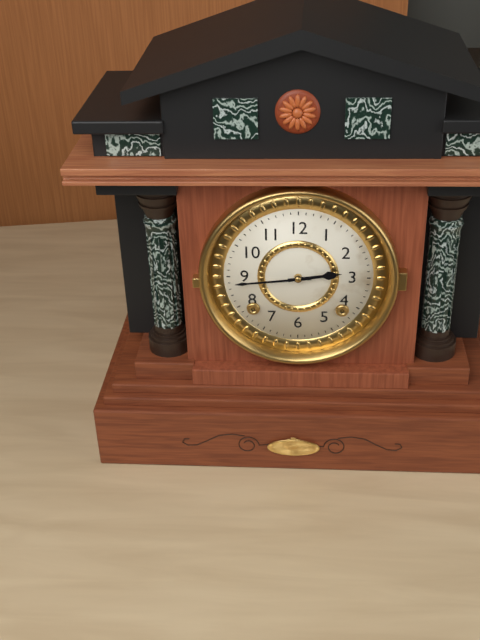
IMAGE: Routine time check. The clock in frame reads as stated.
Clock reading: 2:44
